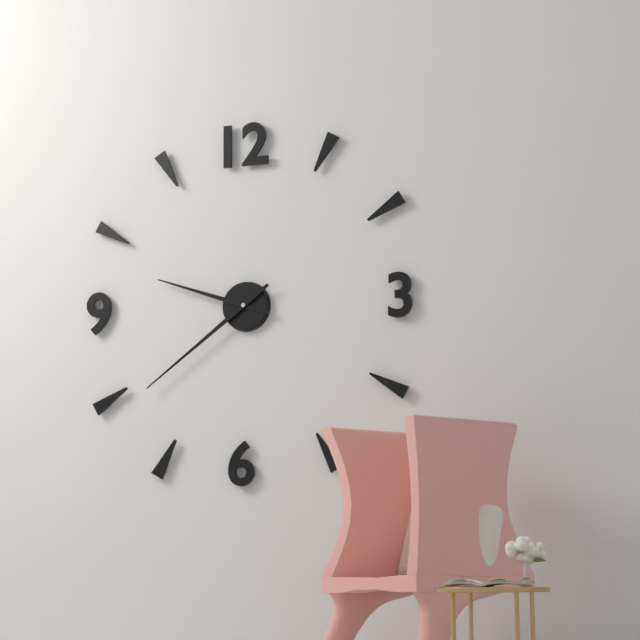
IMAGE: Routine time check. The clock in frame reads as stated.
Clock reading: 9:39
